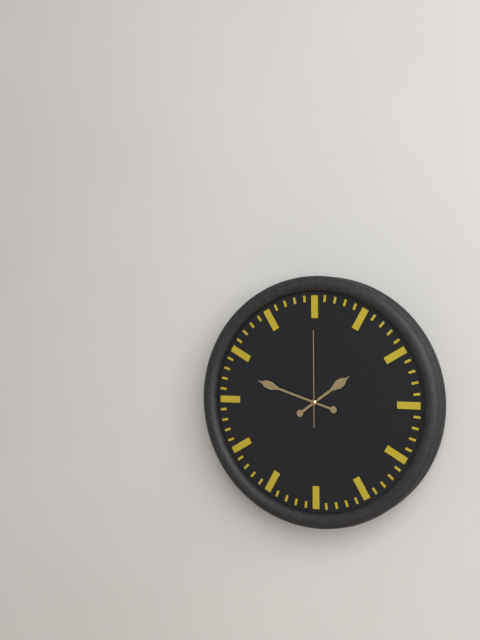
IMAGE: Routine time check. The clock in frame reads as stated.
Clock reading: 1:48:00
